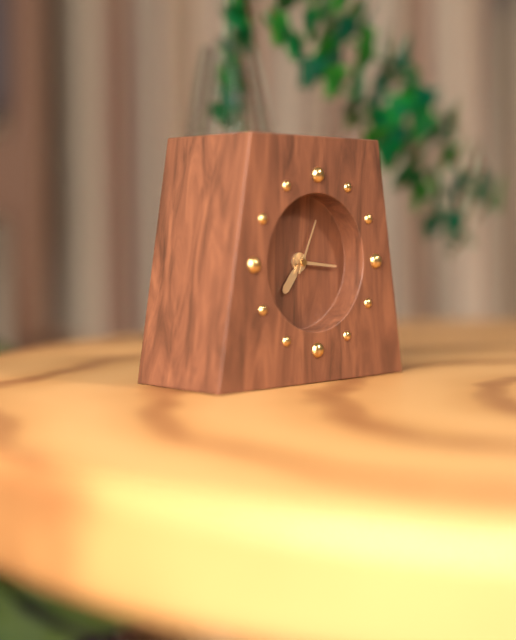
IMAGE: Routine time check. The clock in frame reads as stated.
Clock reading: 7:16:04
